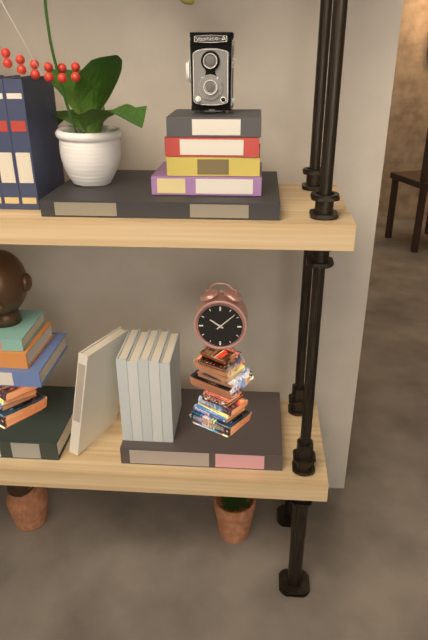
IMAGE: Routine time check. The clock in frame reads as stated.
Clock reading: 10:08
